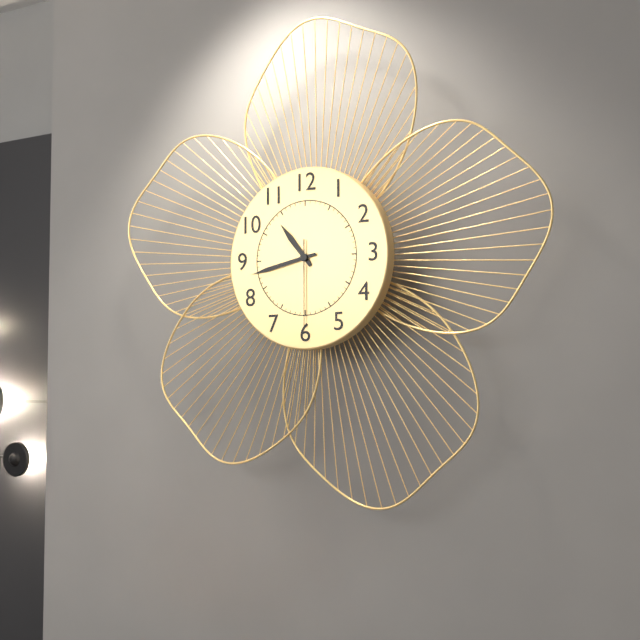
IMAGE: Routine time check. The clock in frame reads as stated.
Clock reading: 10:43:30
